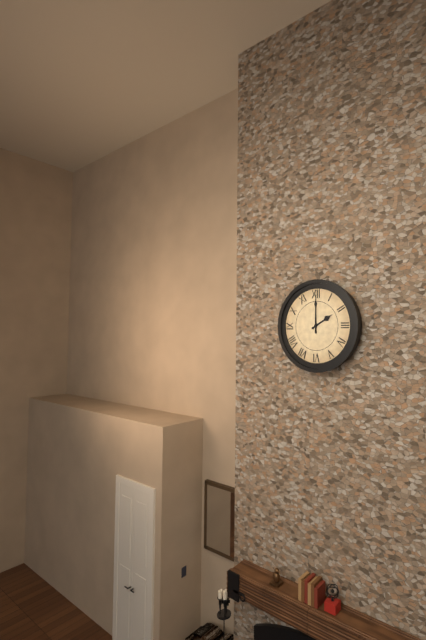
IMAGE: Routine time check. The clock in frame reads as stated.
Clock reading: 2:00
